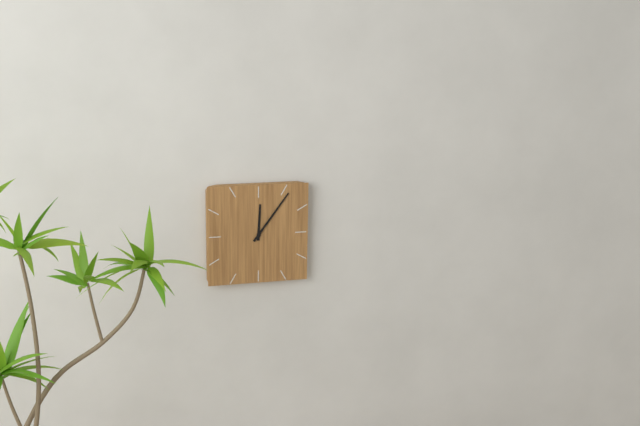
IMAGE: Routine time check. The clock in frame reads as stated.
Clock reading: 12:06
